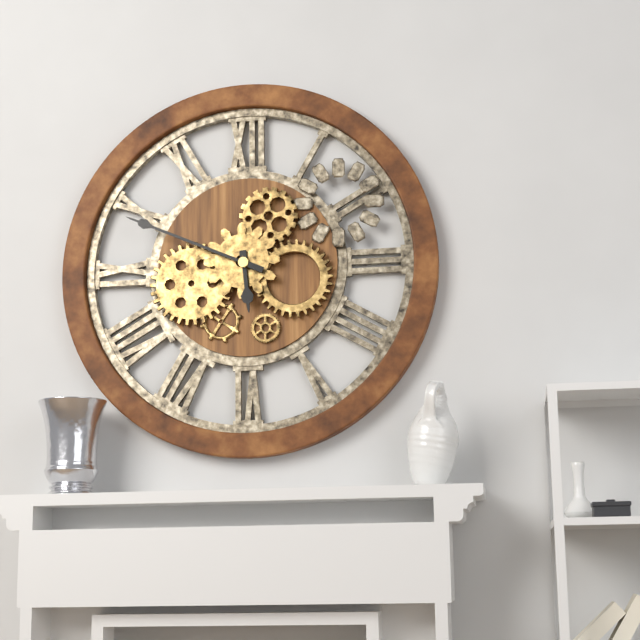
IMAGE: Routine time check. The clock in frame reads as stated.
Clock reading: 5:49
